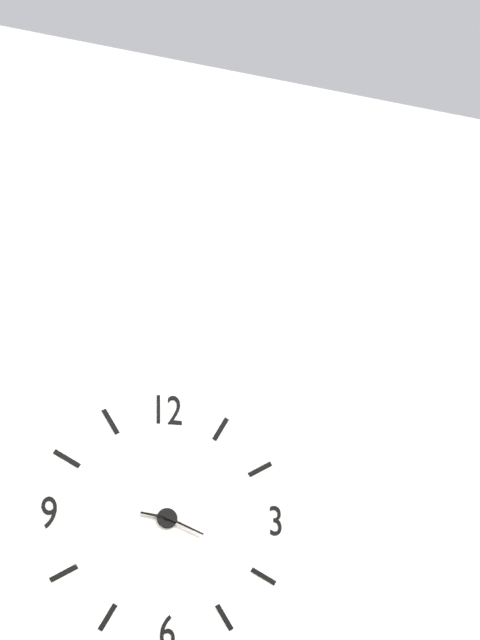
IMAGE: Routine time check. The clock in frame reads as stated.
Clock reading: 9:19
